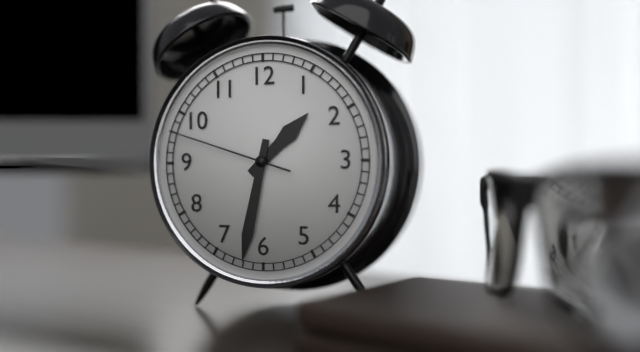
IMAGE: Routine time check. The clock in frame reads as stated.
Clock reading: 1:32:48
